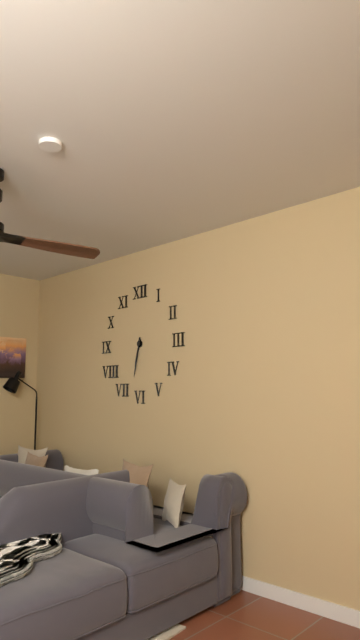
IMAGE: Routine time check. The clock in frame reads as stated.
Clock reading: 6:32
